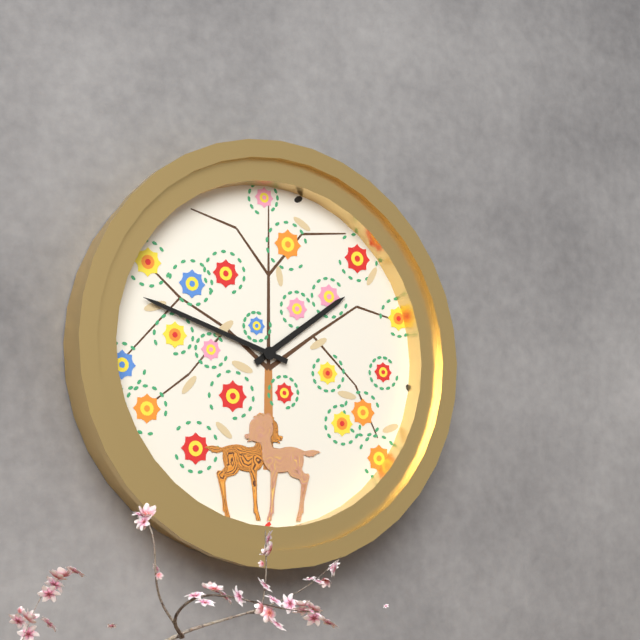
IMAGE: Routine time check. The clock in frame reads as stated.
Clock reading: 1:48
